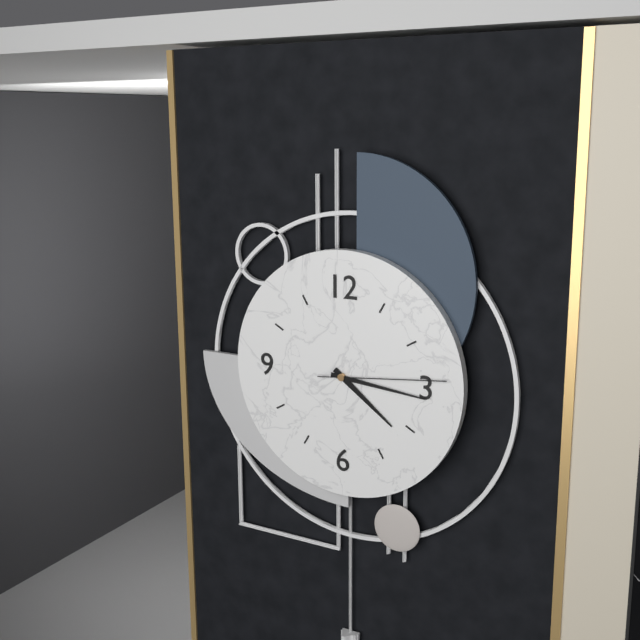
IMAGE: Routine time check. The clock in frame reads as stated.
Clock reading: 4:16:14
